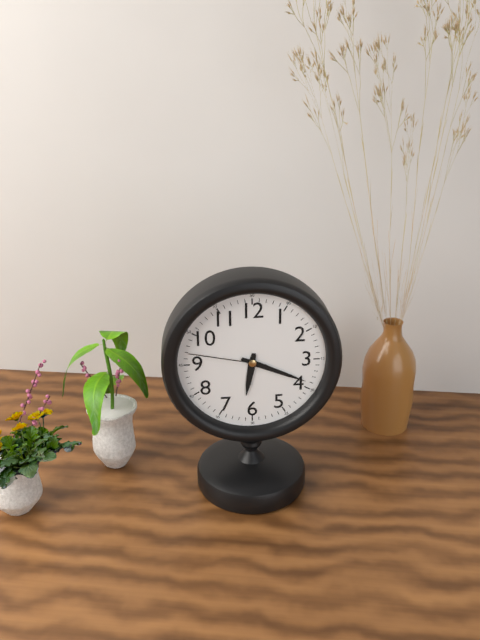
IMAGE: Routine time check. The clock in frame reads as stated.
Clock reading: 6:19:47
